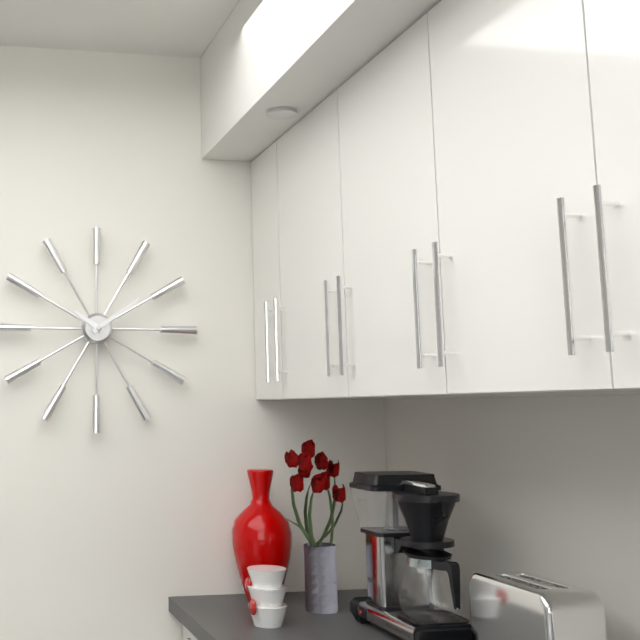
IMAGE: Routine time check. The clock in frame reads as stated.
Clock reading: 10:09
